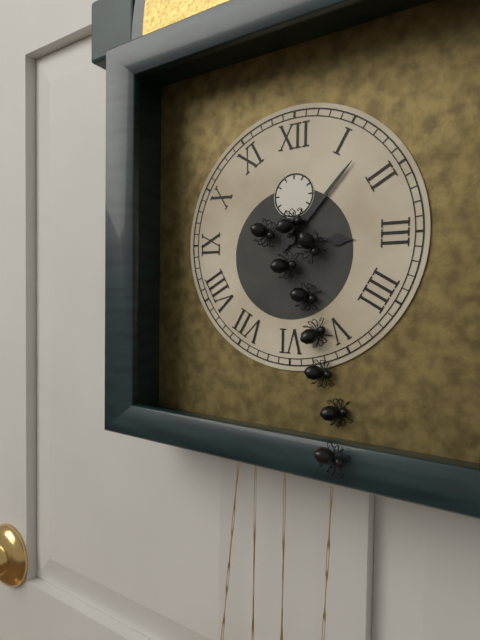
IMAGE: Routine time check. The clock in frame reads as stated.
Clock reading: 3:07
